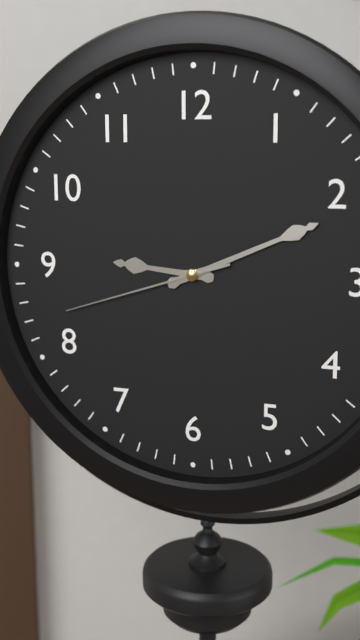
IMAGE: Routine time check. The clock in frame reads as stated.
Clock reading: 9:11:42
